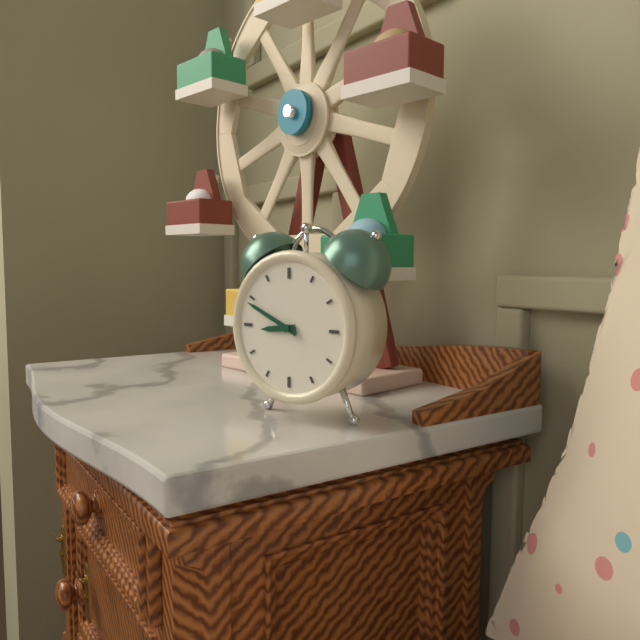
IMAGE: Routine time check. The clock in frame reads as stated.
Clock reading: 8:49
